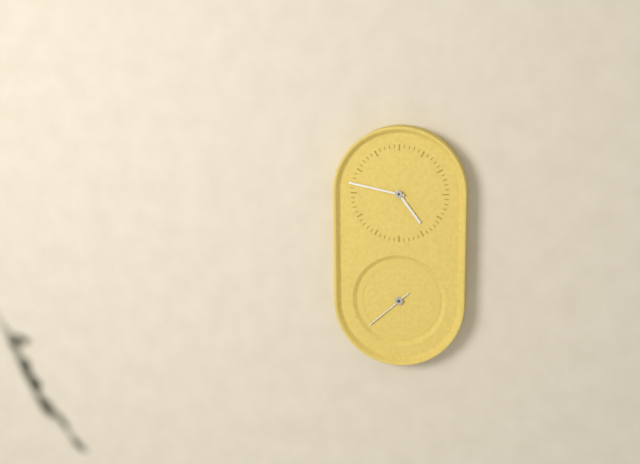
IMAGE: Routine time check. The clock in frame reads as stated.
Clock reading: 4:47
